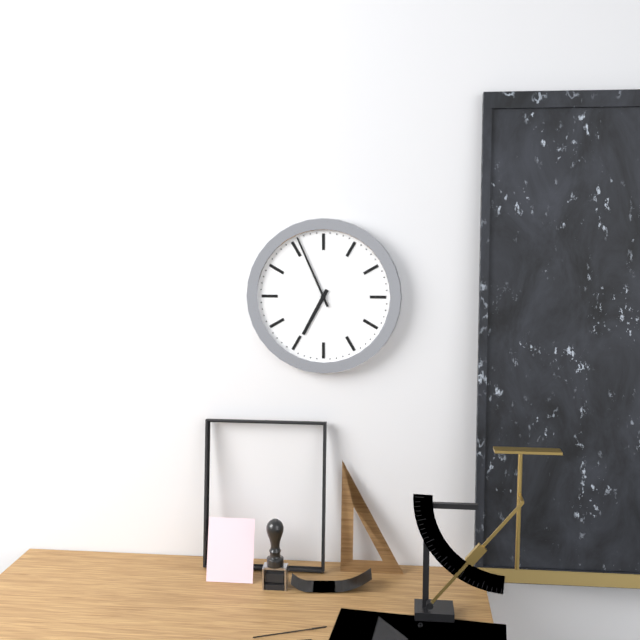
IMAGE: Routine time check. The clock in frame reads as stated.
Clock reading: 6:56
